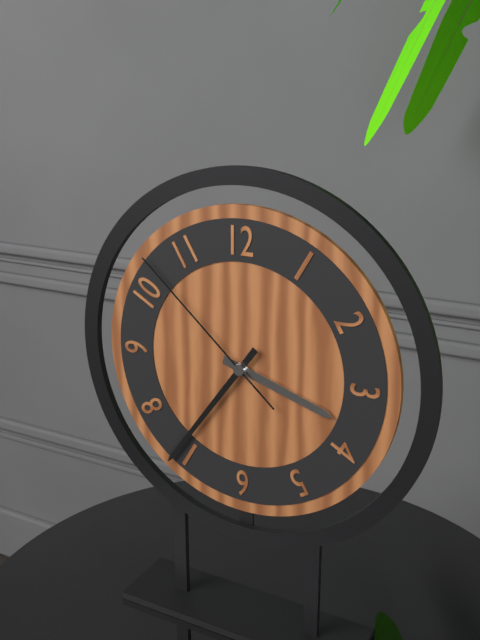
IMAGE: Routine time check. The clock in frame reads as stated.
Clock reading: 3:36:52
